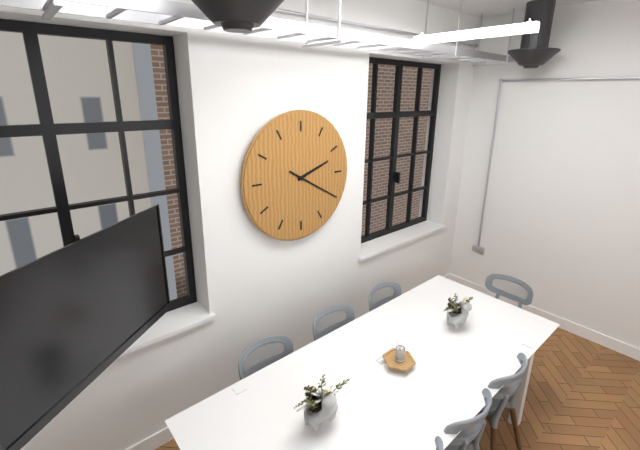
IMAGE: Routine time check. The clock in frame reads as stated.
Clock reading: 2:20
